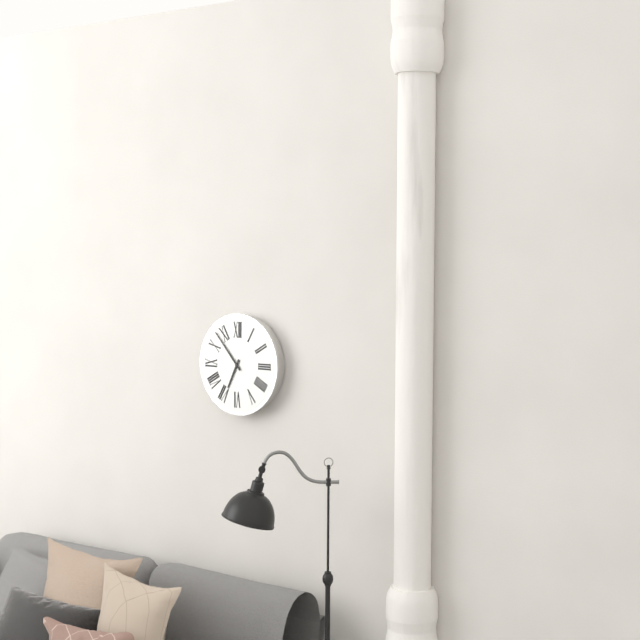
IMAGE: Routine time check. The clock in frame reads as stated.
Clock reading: 6:53
